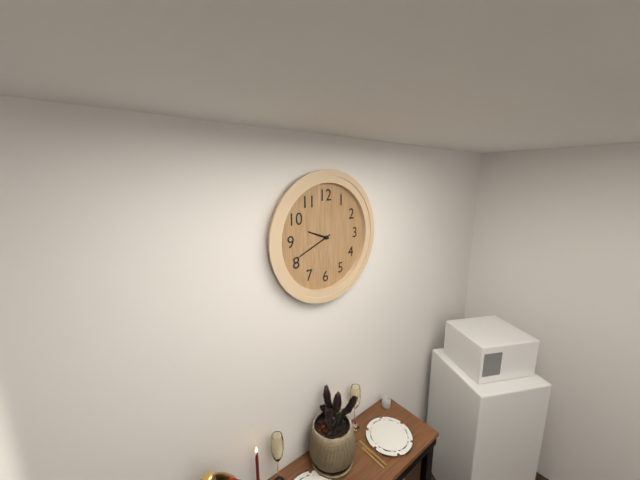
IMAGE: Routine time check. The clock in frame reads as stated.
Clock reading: 9:41
